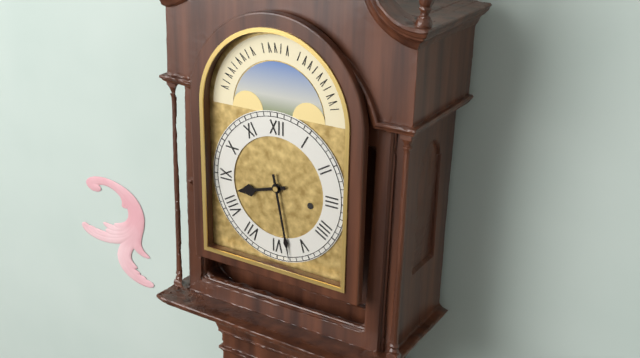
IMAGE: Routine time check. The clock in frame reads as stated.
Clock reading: 8:28
